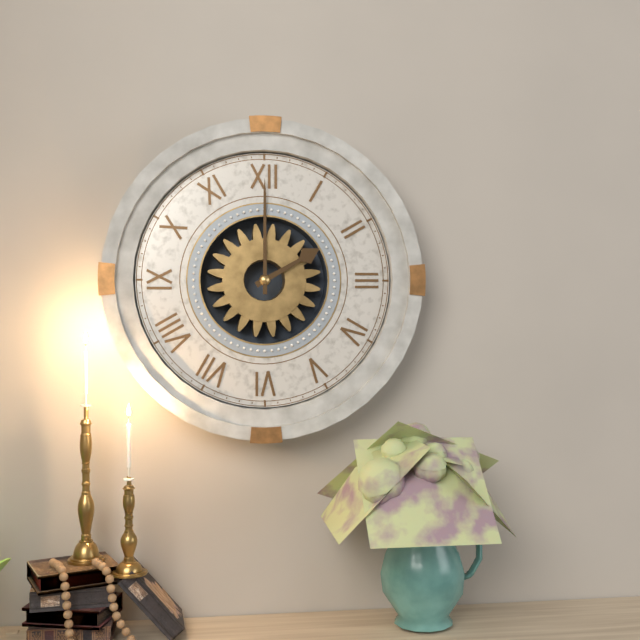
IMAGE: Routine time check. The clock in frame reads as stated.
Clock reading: 2:00
